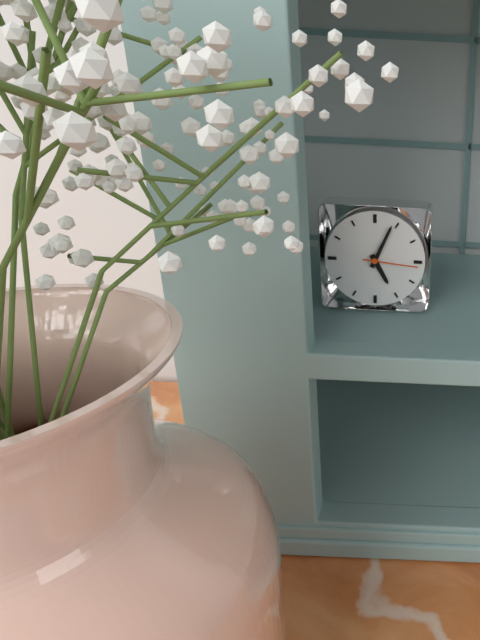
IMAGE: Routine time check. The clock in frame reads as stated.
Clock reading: 5:04:16
